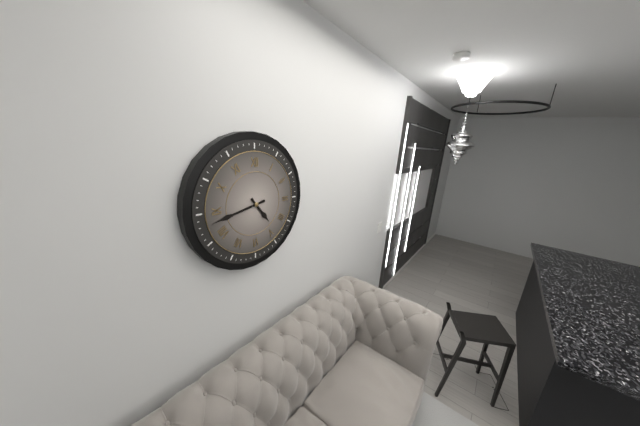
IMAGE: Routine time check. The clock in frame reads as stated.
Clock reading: 4:43
